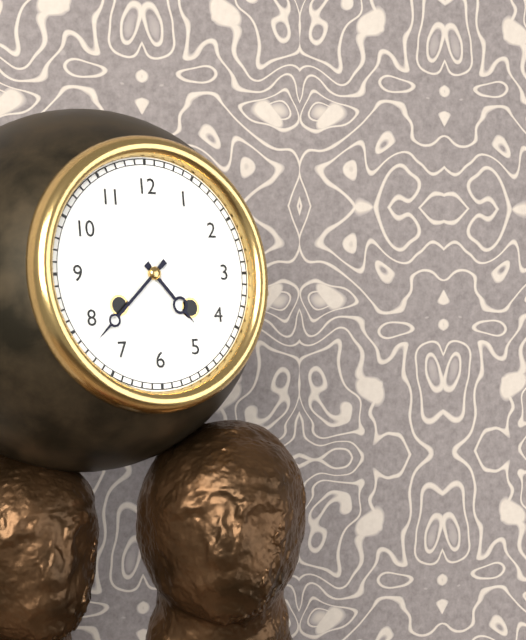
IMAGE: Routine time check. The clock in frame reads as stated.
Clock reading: 4:38
